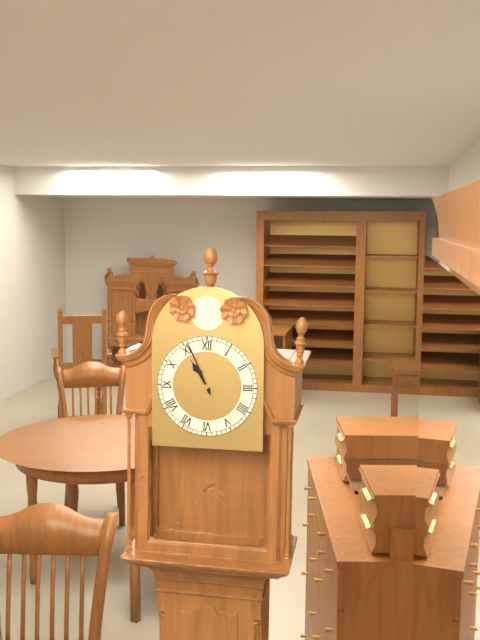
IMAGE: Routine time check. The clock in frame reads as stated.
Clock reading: 10:56
